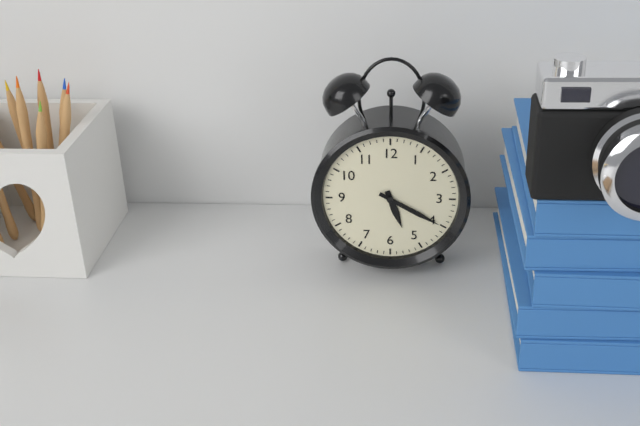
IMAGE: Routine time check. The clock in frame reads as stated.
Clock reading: 5:20
